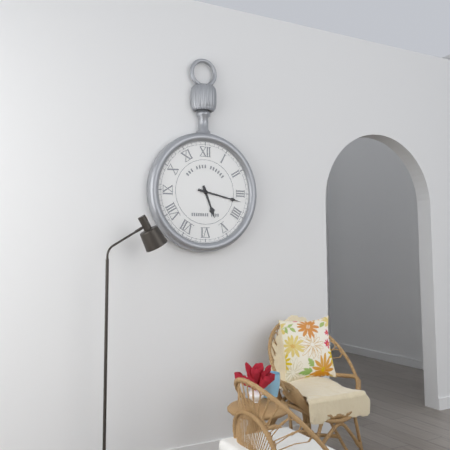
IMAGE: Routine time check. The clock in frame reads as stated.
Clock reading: 5:17
